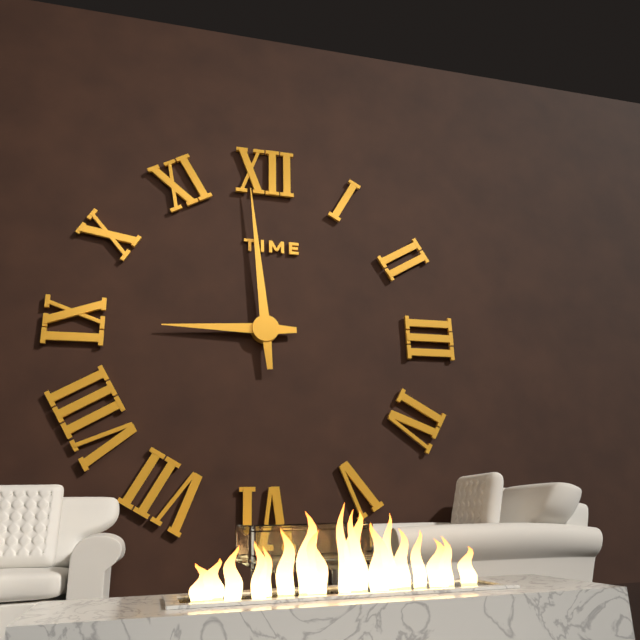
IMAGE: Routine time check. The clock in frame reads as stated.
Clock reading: 8:59
